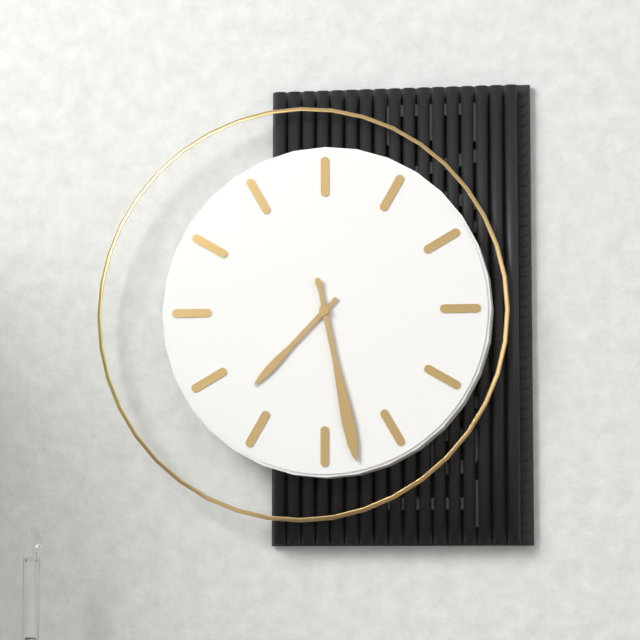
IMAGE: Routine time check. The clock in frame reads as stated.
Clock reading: 7:28
